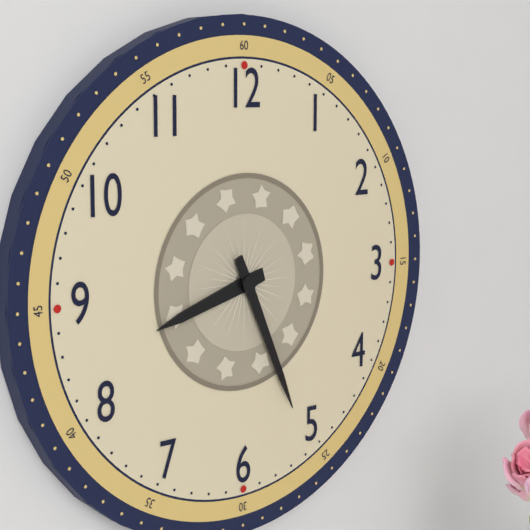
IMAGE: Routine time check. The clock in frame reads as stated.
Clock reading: 8:26
